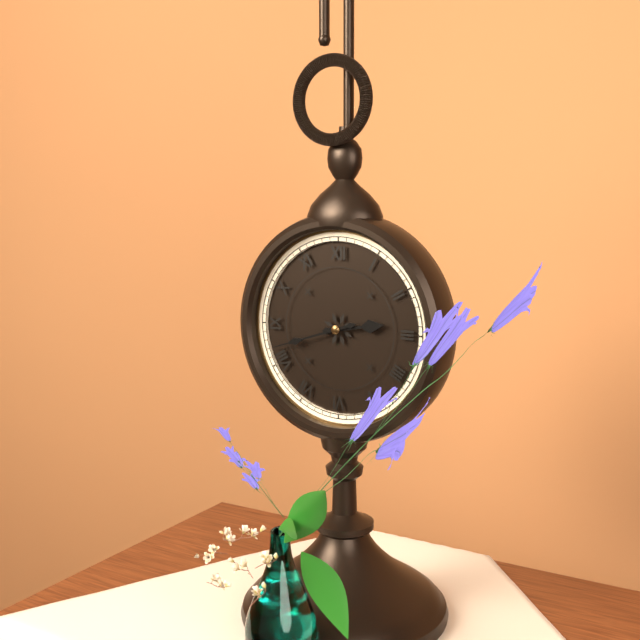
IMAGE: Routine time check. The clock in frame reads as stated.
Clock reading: 2:42
